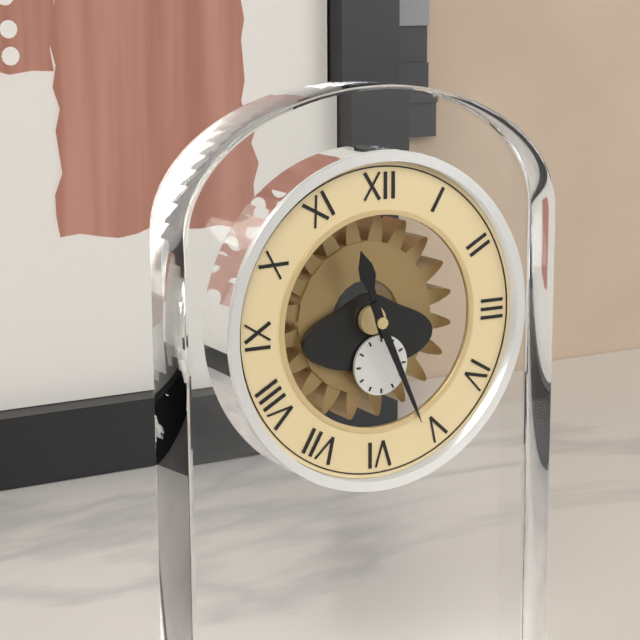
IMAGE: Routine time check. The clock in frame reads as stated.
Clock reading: 11:26
